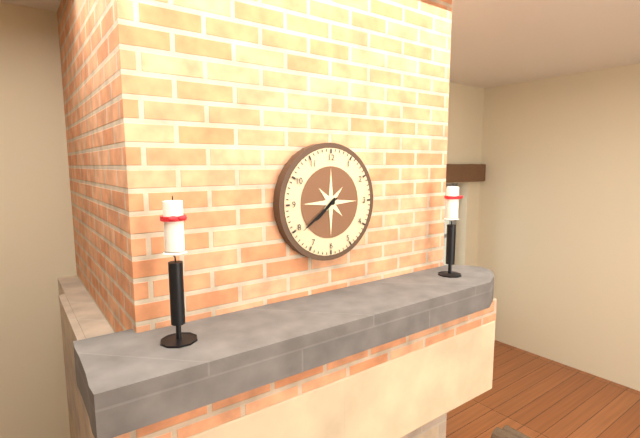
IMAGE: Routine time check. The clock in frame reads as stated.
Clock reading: 7:39
